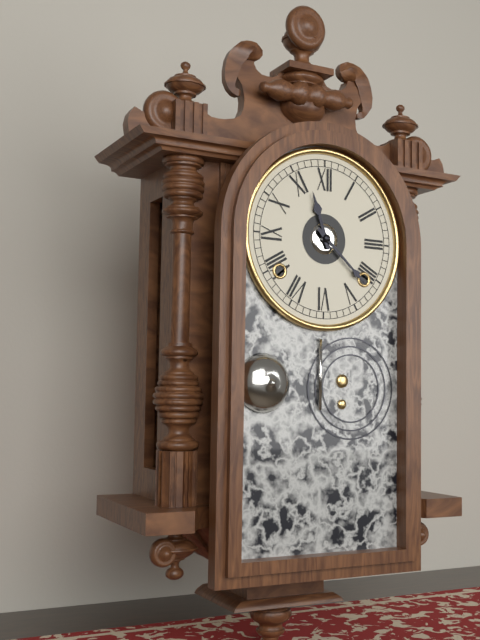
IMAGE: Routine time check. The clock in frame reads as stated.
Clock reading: 11:22
